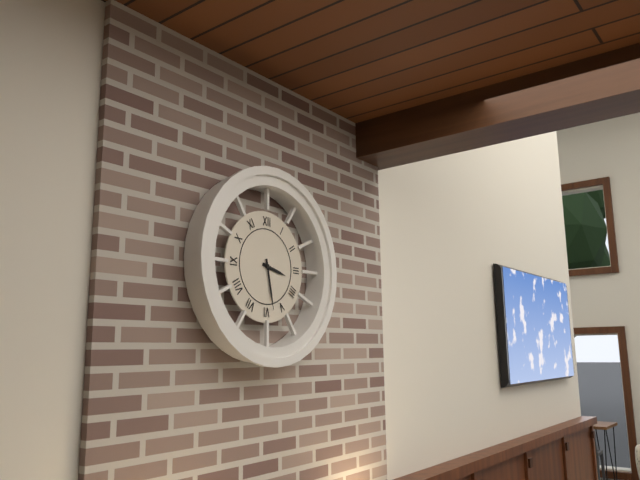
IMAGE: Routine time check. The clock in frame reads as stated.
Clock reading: 3:28
